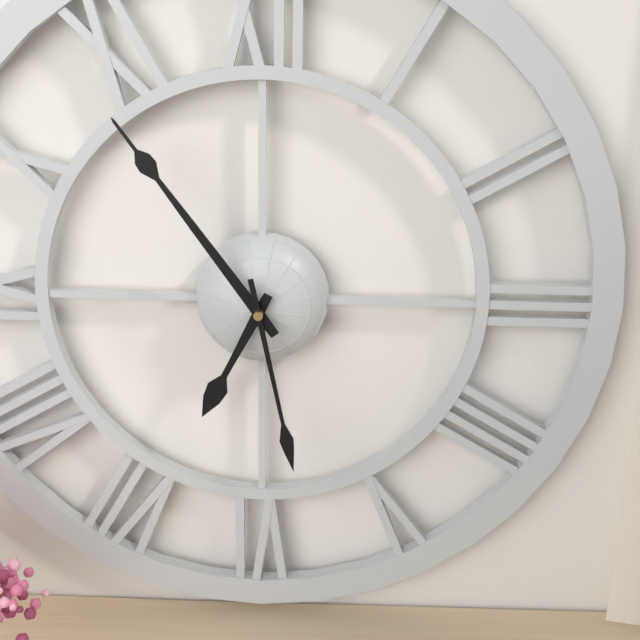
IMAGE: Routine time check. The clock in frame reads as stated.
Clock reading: 6:54:28
